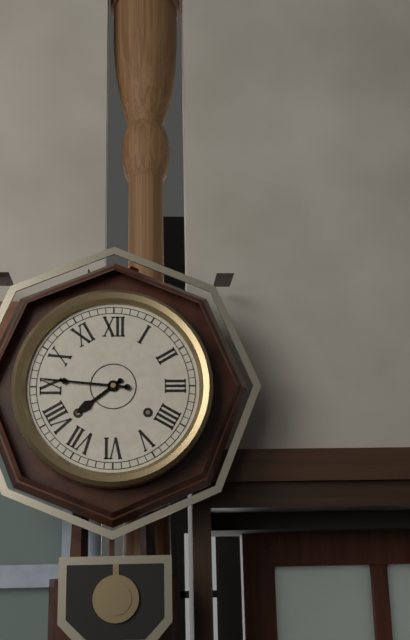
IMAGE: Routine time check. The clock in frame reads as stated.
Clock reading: 7:46
